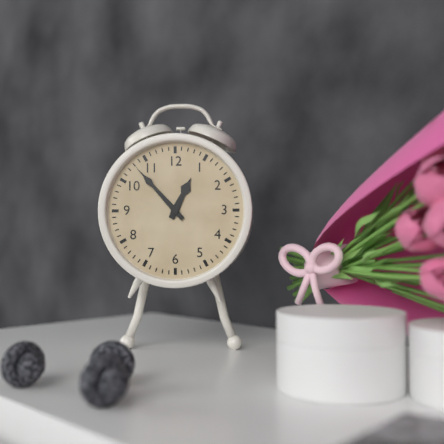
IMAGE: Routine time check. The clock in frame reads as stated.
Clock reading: 12:53
